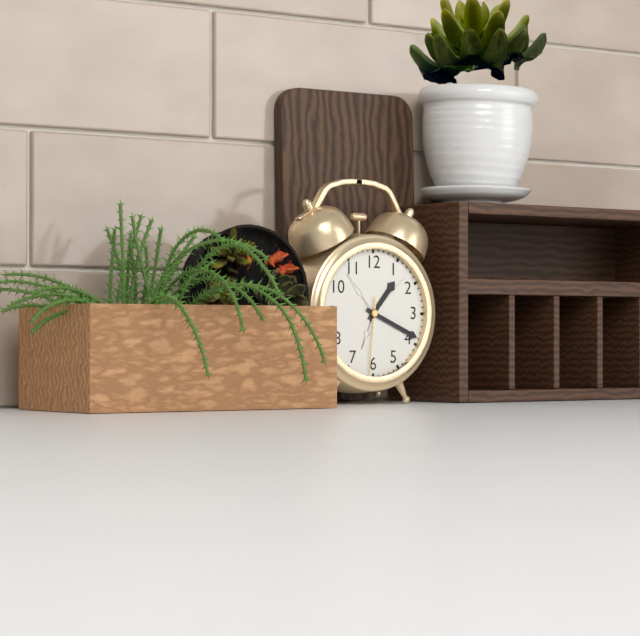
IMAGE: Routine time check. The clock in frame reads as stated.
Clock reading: 1:19:31
